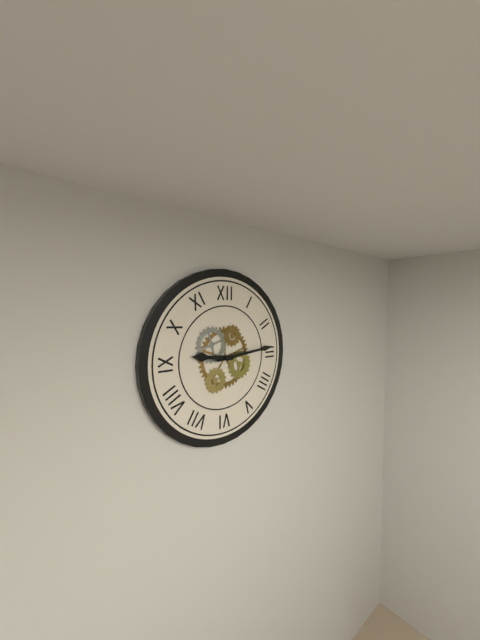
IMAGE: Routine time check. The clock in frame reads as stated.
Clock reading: 9:14
